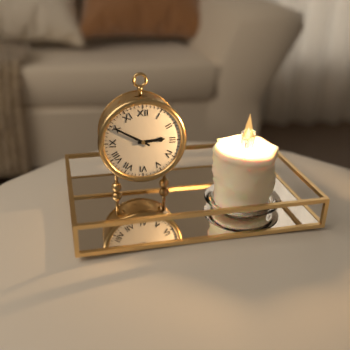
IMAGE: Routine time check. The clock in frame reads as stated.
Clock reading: 2:50
